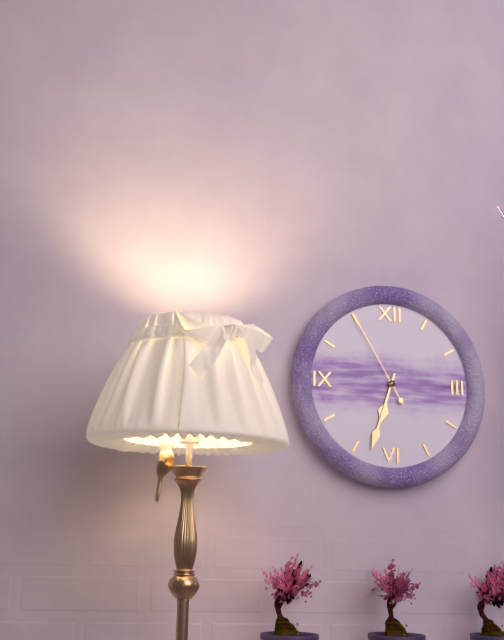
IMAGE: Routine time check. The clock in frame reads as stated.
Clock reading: 6:33:55
